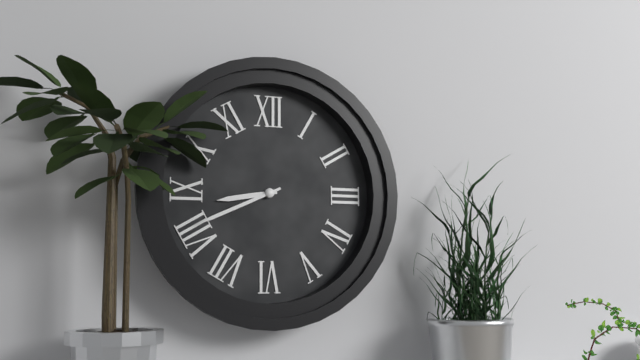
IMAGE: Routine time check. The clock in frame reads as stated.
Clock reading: 8:41
